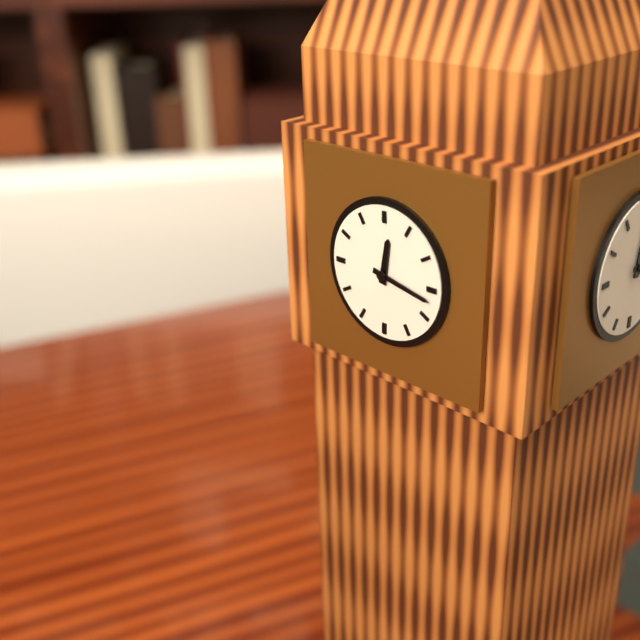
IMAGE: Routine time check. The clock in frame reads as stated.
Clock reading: 12:17
